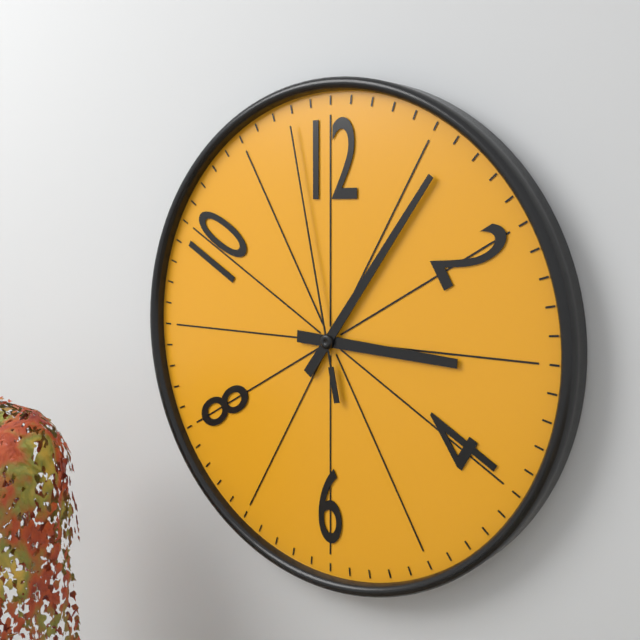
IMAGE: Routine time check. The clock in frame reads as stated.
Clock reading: 3:06:58
